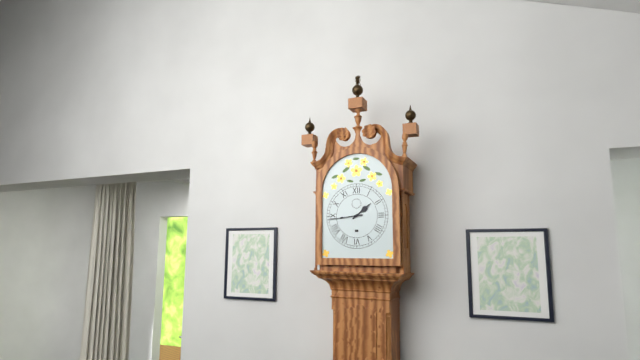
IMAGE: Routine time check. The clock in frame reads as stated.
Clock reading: 1:44
